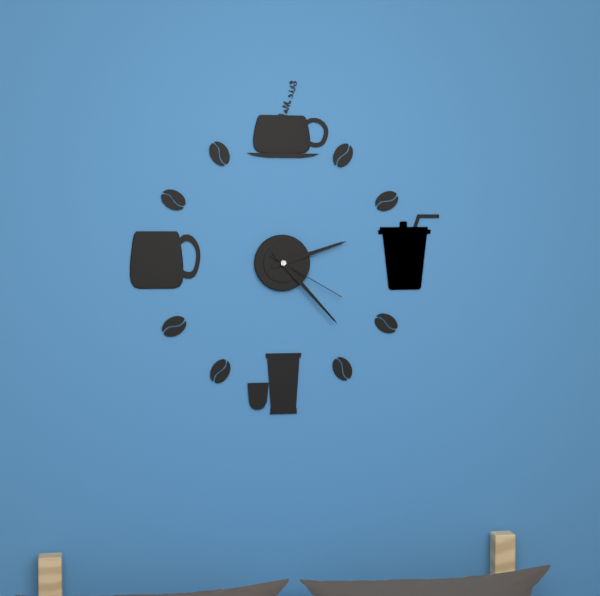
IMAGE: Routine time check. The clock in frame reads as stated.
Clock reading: 2:23:20
